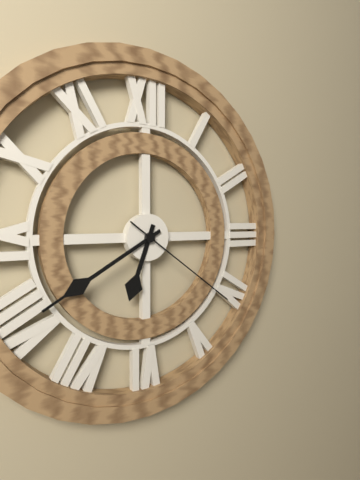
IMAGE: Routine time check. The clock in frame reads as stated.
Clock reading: 6:40:21
